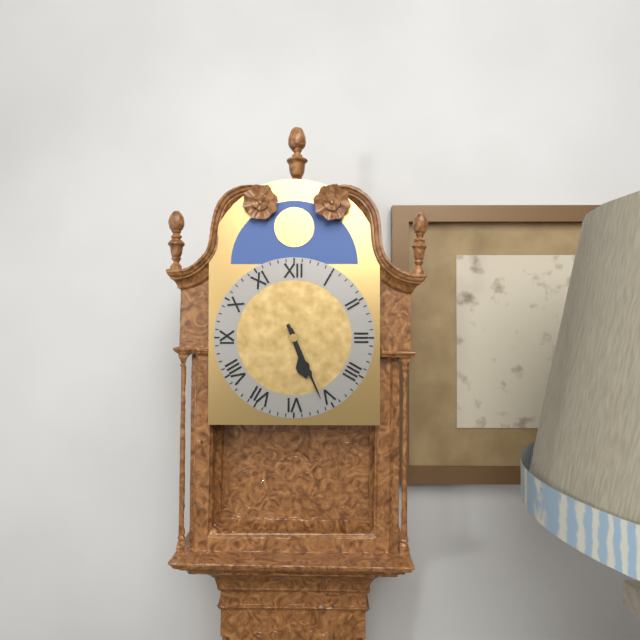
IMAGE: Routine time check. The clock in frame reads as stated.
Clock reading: 5:26
